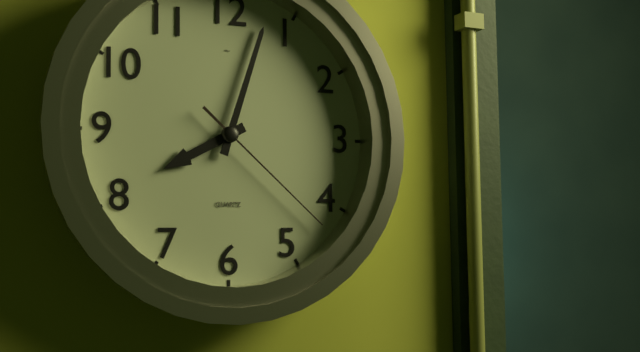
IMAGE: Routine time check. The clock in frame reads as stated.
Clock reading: 8:03:22
